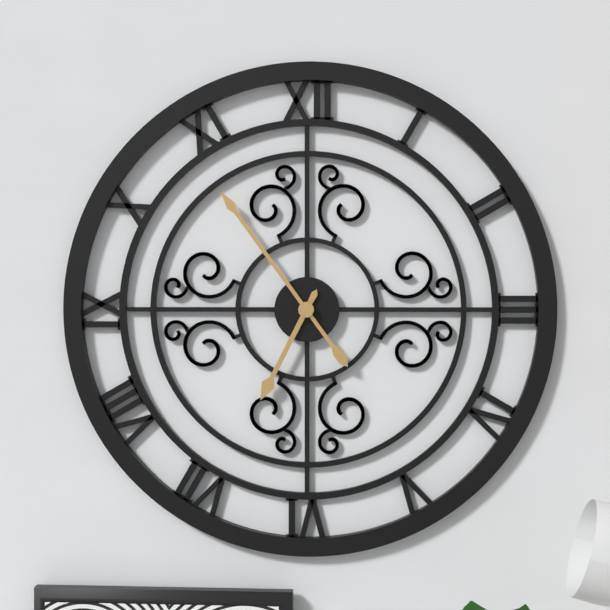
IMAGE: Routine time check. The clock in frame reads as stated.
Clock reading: 6:54
